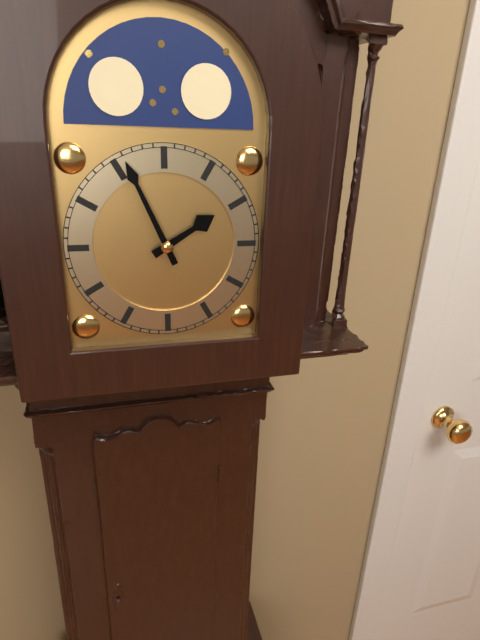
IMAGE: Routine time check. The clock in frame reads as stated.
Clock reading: 1:56
